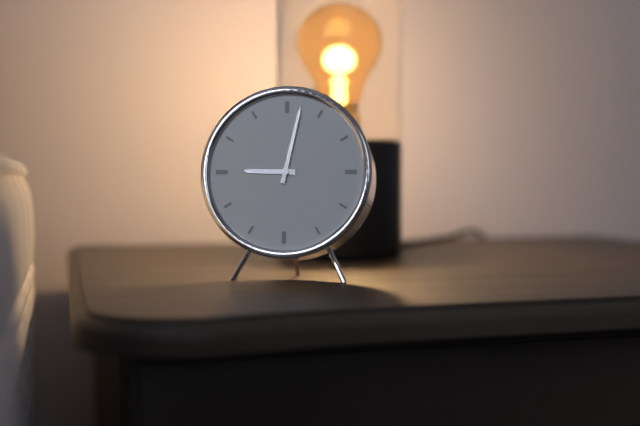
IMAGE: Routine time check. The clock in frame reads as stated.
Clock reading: 9:02
